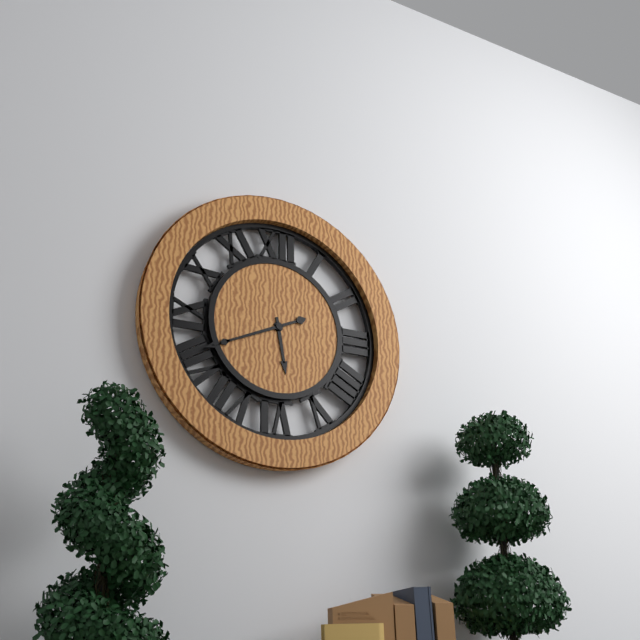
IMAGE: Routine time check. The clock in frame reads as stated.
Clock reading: 5:41
